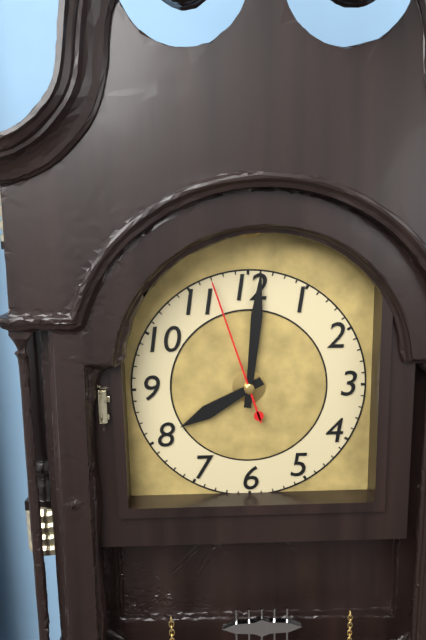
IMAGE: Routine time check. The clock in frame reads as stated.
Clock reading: 8:01:57
